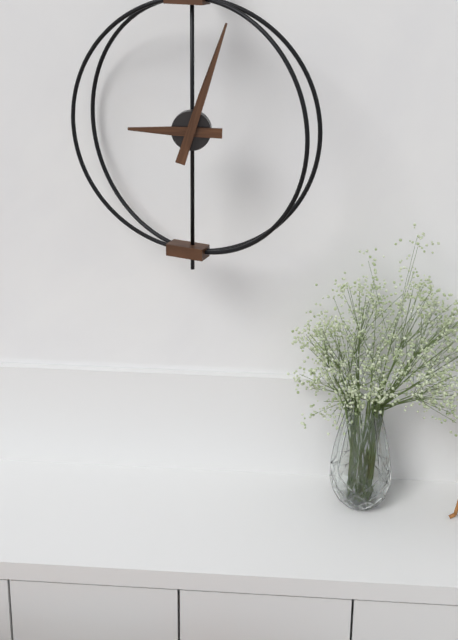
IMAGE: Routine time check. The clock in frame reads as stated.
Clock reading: 9:03
